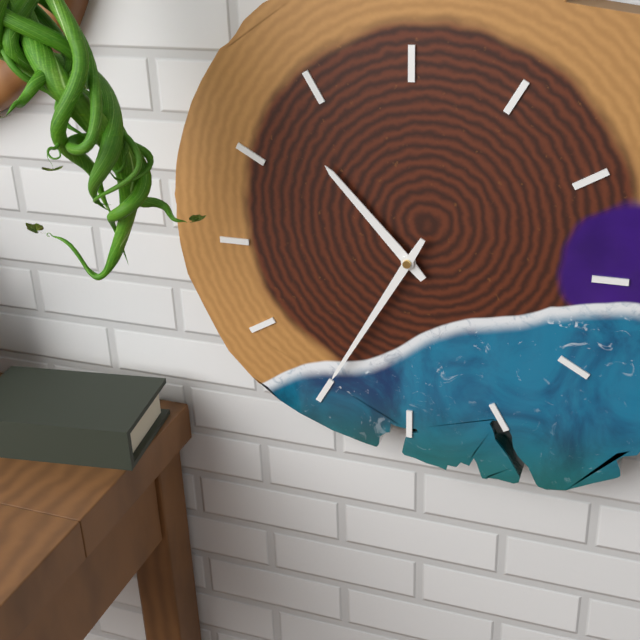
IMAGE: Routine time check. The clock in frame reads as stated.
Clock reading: 10:35
